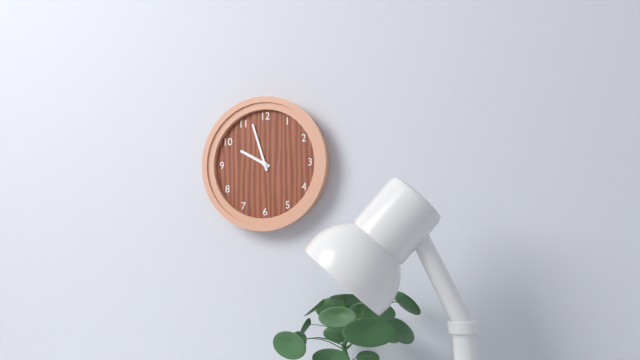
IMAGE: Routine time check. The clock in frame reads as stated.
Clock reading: 9:57
